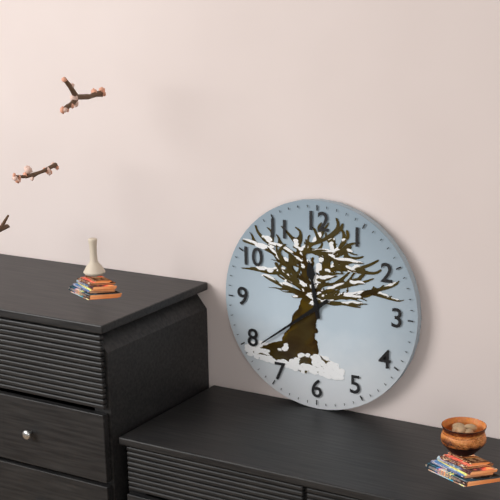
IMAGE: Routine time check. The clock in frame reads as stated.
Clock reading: 11:39
